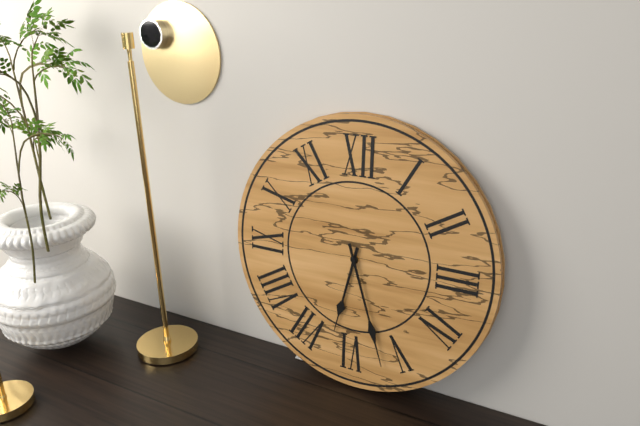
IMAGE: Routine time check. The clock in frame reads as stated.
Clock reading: 6:27
